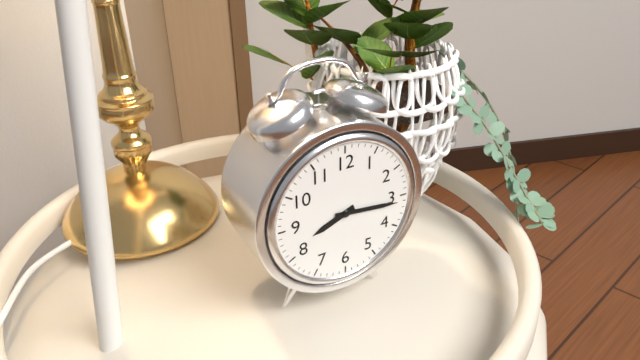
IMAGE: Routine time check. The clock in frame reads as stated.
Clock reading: 8:16
